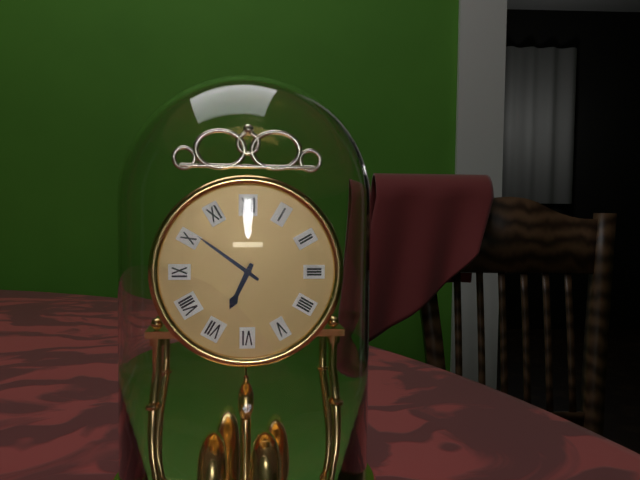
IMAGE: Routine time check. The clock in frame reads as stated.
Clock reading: 6:51
